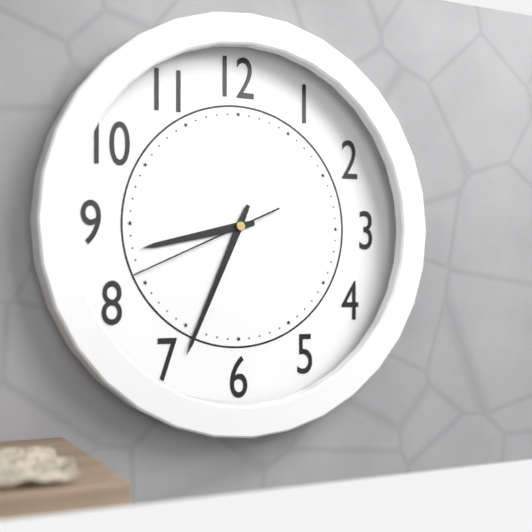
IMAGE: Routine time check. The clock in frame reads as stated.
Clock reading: 8:34:41
